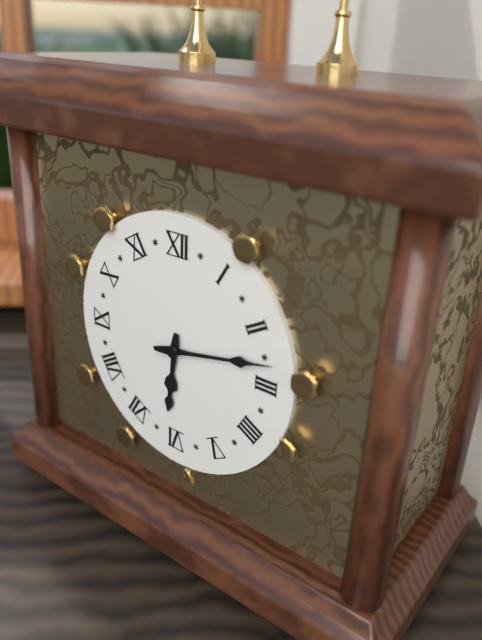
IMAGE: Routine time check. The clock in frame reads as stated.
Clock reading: 6:13
